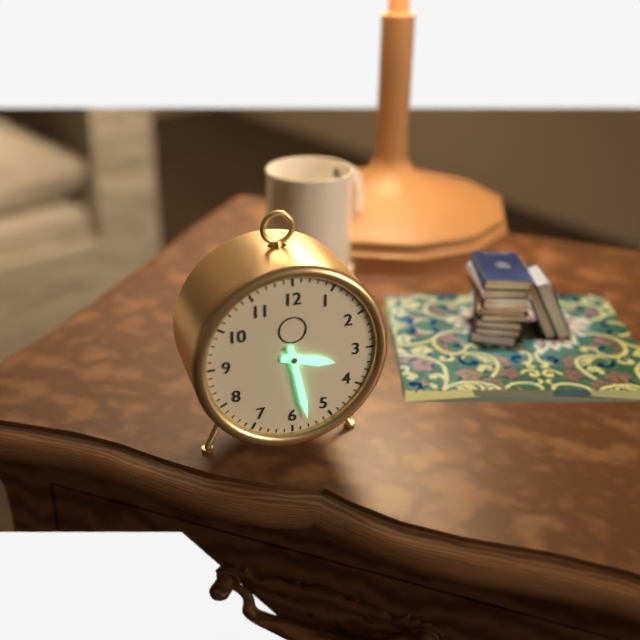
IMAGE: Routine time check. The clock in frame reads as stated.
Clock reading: 3:28
